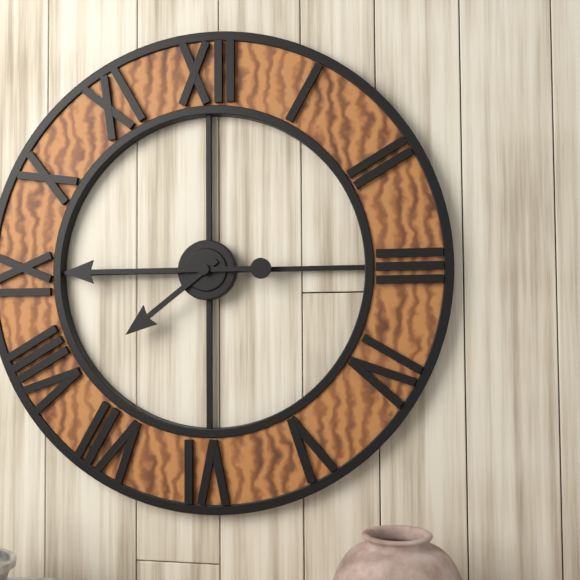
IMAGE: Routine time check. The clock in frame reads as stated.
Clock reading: 7:45
